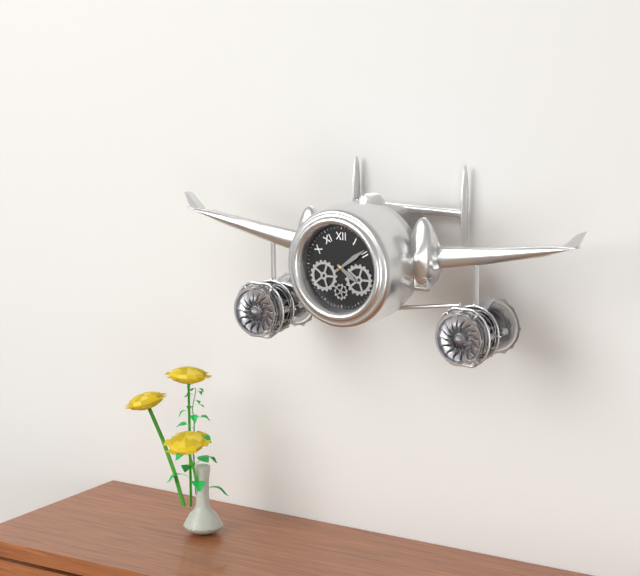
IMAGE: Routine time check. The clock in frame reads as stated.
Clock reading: 4:09
